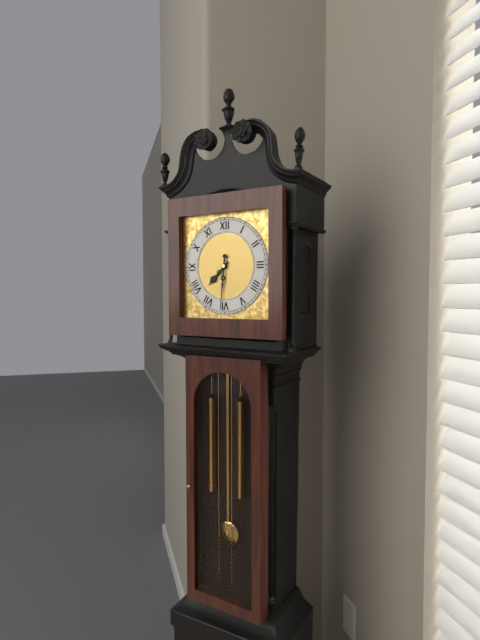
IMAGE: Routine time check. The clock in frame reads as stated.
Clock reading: 7:31
